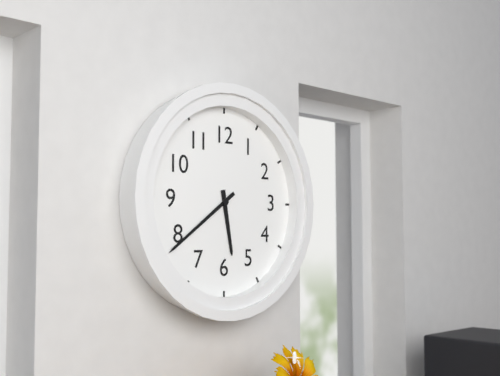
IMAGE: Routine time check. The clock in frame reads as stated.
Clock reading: 5:39
